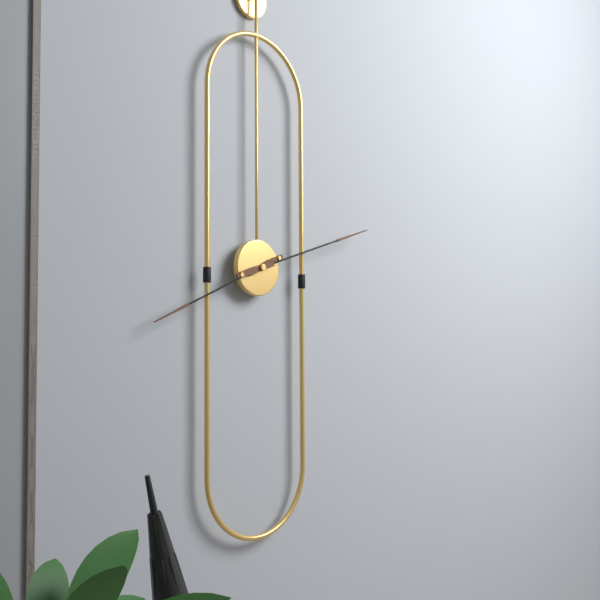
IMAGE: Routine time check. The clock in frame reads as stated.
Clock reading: 8:12
